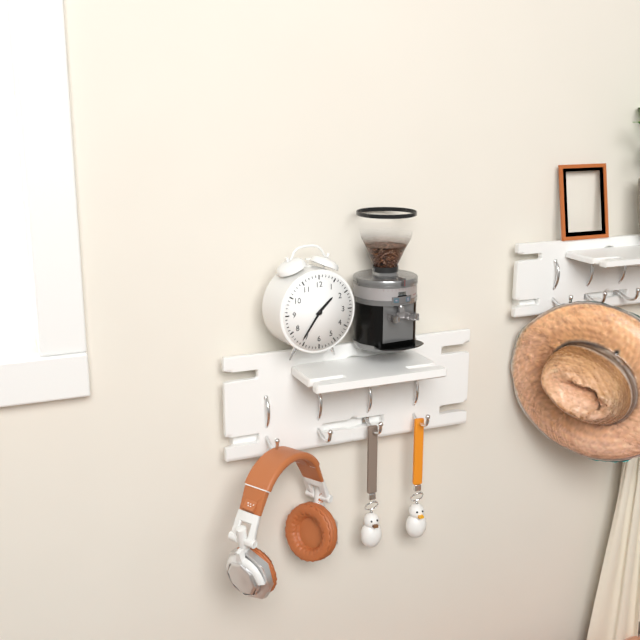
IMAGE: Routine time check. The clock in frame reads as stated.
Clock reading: 1:36
